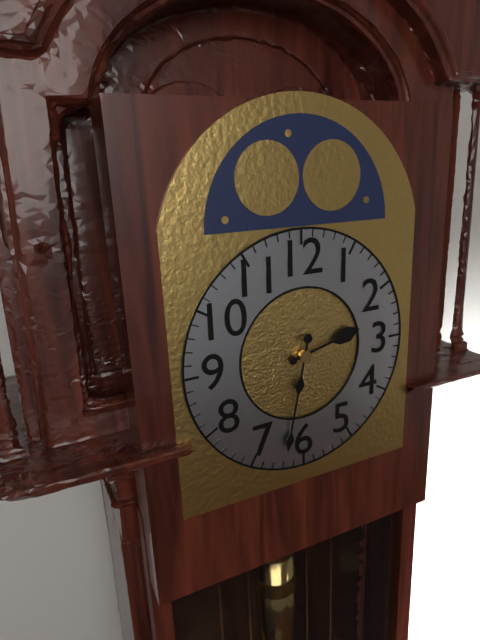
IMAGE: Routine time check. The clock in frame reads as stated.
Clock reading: 2:32
